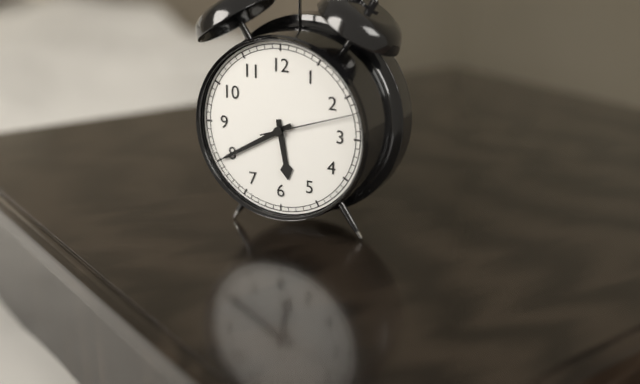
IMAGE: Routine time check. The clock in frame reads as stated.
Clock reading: 5:40:12
